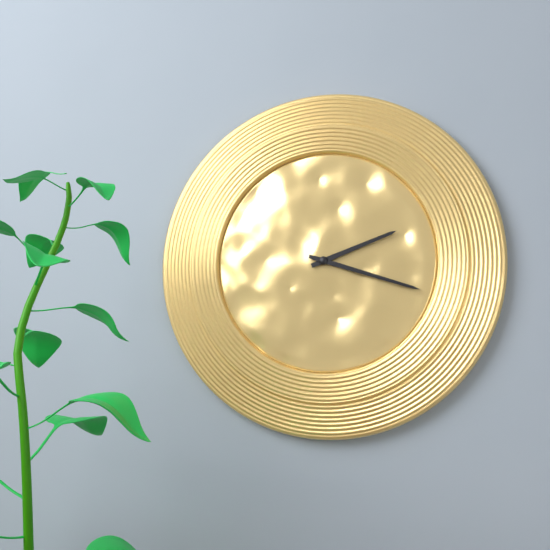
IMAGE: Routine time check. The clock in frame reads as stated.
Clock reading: 2:18
